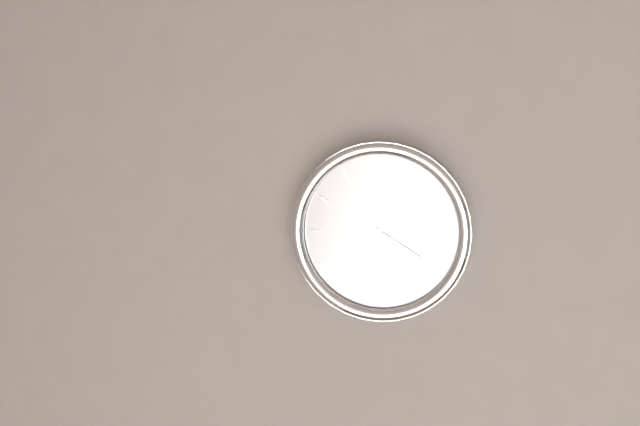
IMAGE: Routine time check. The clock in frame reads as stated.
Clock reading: 4:04:03
